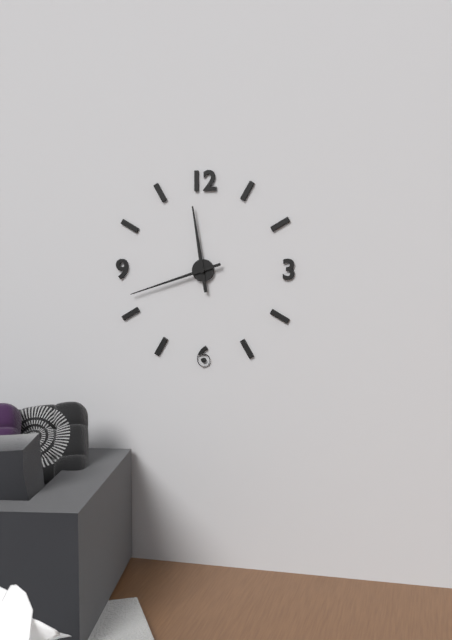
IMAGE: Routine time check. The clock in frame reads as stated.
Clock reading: 11:42
